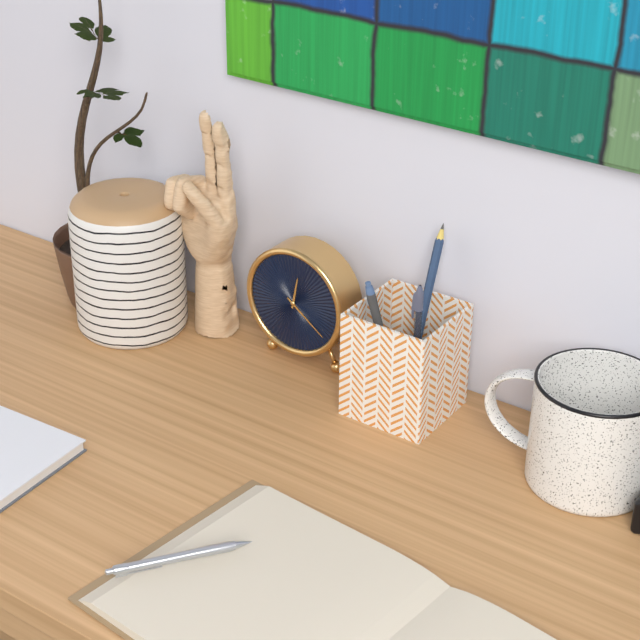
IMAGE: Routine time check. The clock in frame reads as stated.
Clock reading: 12:21
